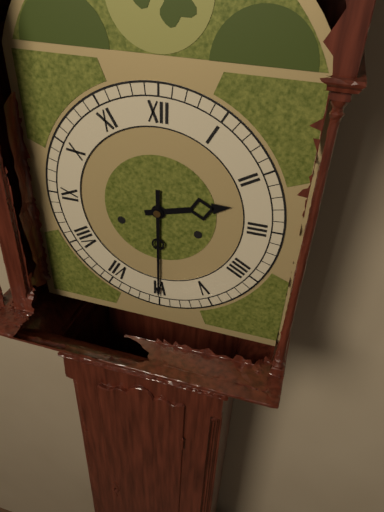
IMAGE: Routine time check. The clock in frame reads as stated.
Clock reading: 2:30
